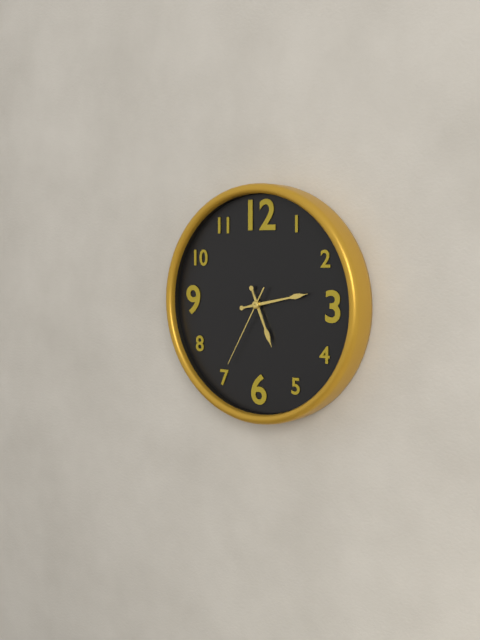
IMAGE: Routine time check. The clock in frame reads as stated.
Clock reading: 5:13:35
